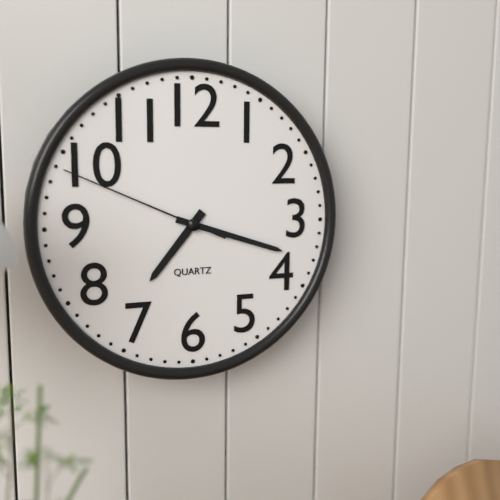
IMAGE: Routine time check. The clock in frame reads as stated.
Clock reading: 7:18:49
